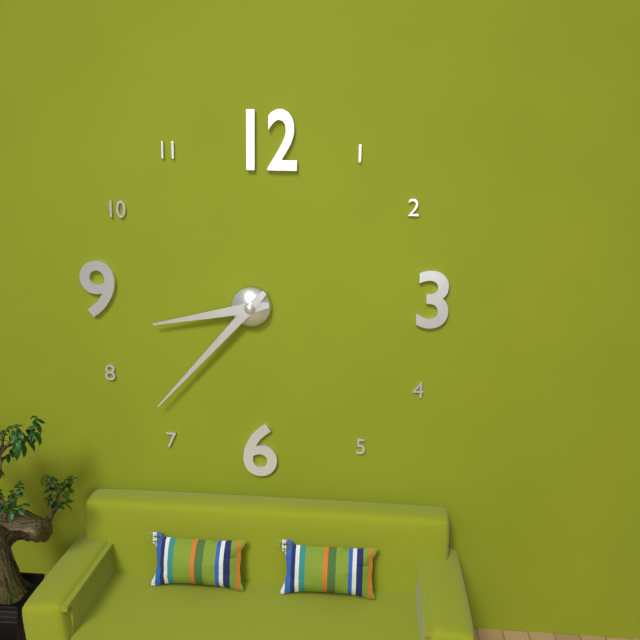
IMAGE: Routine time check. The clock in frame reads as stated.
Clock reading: 8:37
